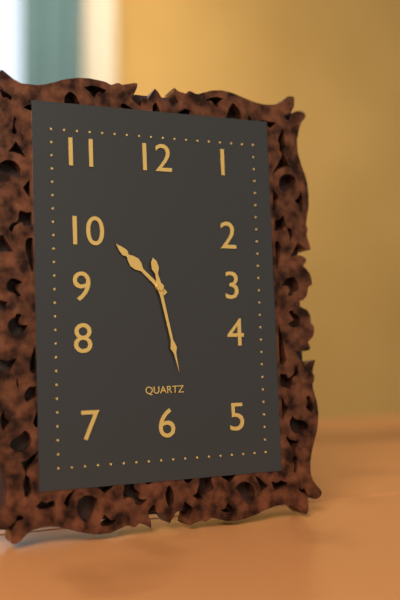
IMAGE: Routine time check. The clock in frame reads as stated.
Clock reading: 10:28
